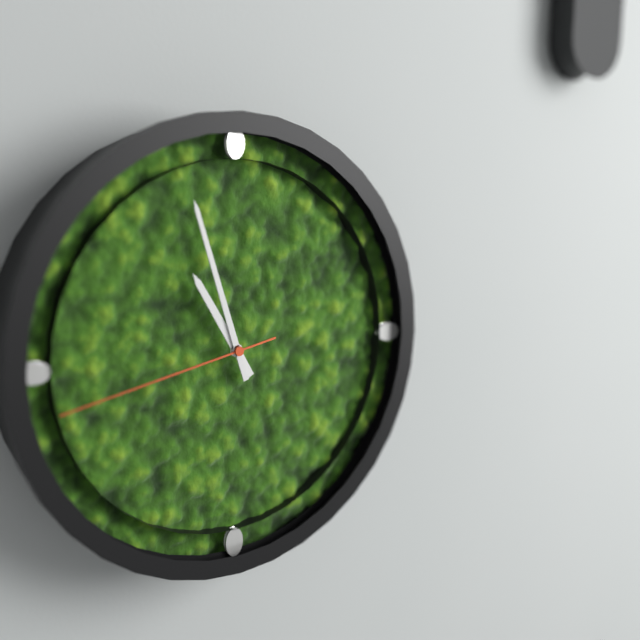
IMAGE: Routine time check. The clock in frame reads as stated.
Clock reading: 10:57:43
